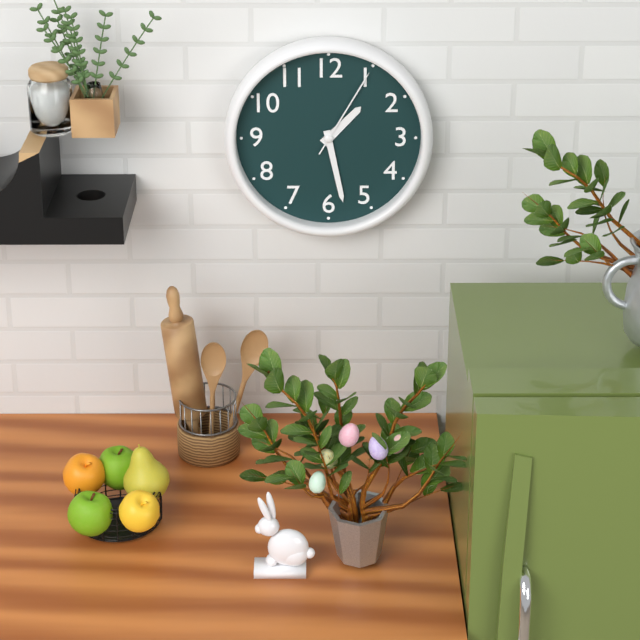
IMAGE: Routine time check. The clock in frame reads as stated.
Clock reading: 1:28:05
